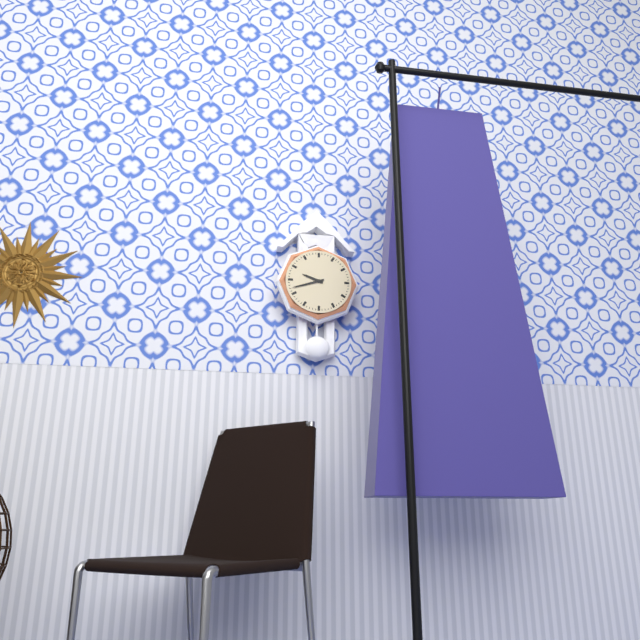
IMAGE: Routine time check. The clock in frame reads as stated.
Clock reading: 9:42
